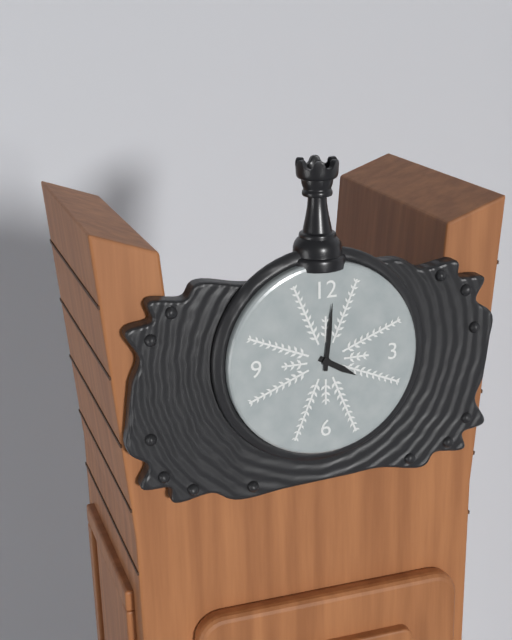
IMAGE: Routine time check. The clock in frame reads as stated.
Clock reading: 4:01
